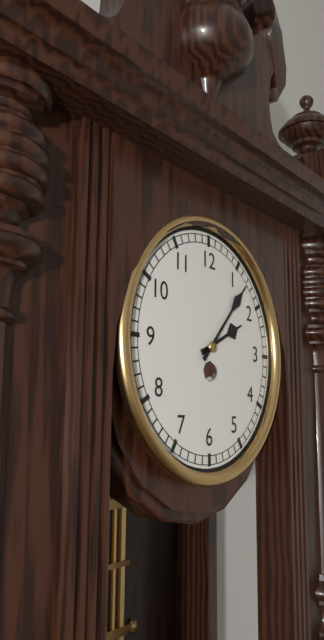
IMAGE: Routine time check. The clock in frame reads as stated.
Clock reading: 2:07
